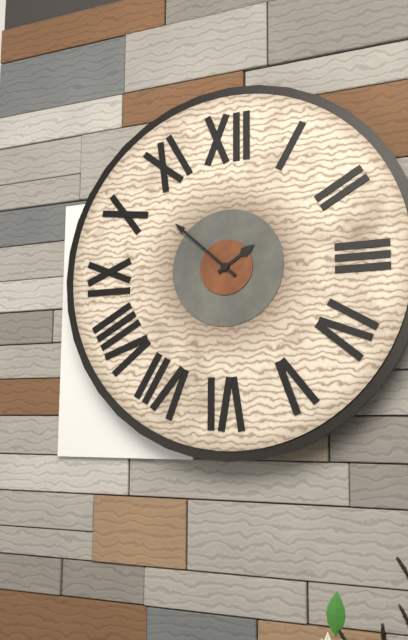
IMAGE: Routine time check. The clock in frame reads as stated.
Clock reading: 1:52
